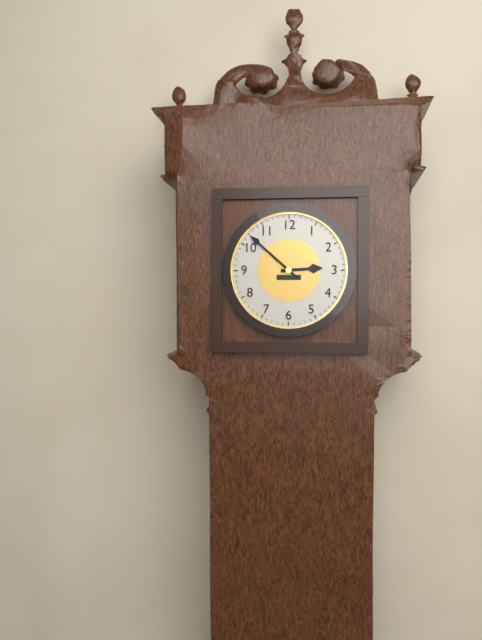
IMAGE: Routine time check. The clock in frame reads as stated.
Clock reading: 2:52
